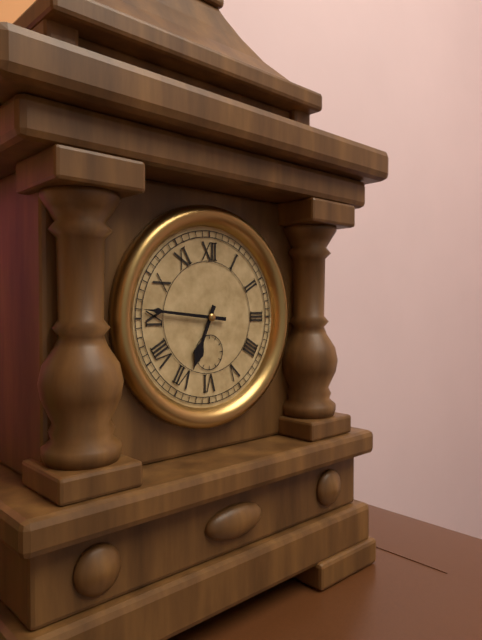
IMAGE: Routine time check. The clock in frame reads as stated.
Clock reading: 6:46
